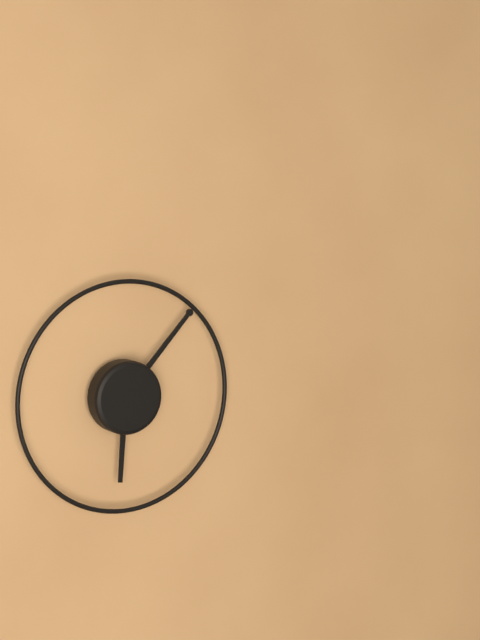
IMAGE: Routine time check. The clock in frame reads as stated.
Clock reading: 6:07
